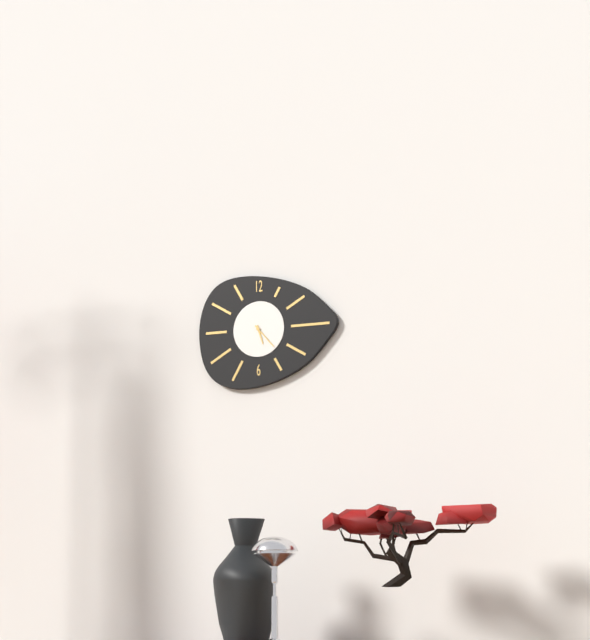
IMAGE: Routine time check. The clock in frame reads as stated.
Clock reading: 5:23
